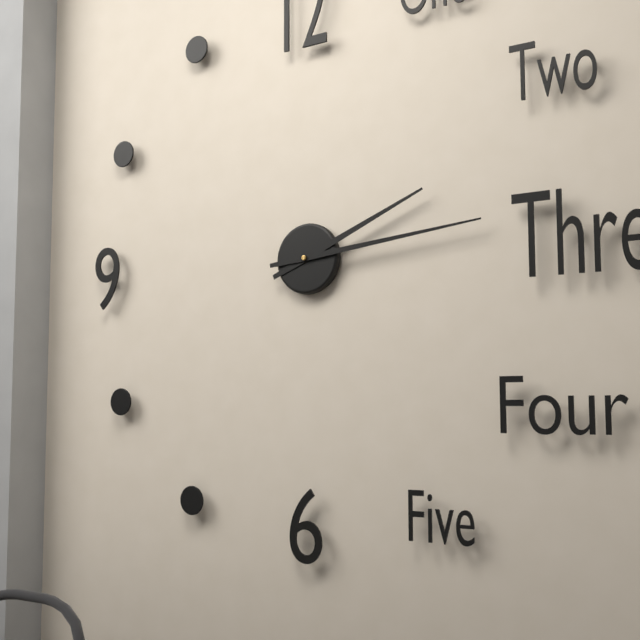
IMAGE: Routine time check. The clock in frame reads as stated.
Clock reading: 2:14
